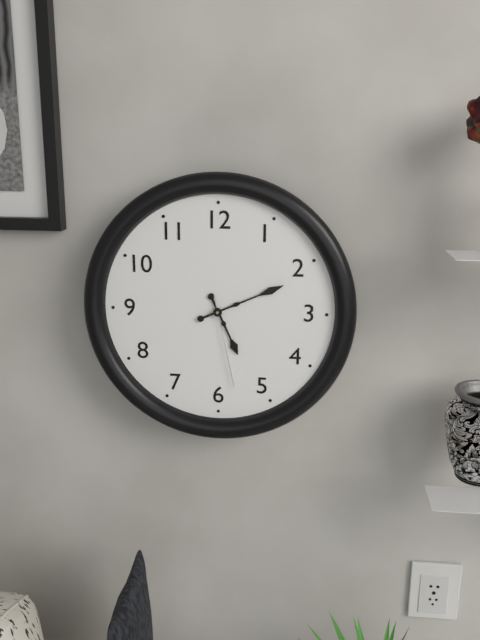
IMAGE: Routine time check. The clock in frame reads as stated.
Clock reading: 5:11:28
